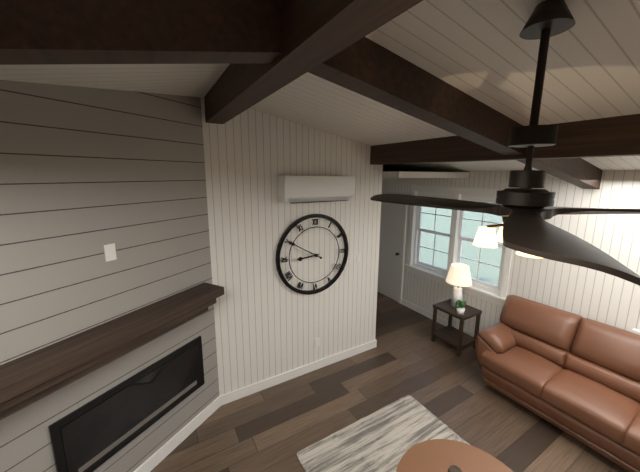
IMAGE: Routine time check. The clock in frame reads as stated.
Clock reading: 8:50
